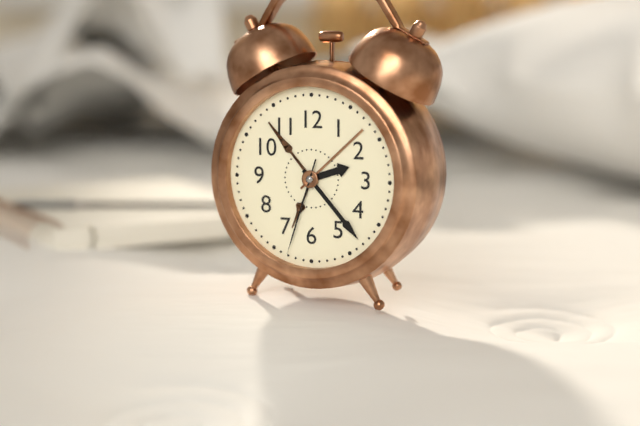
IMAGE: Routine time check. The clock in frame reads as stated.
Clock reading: 2:23:33
